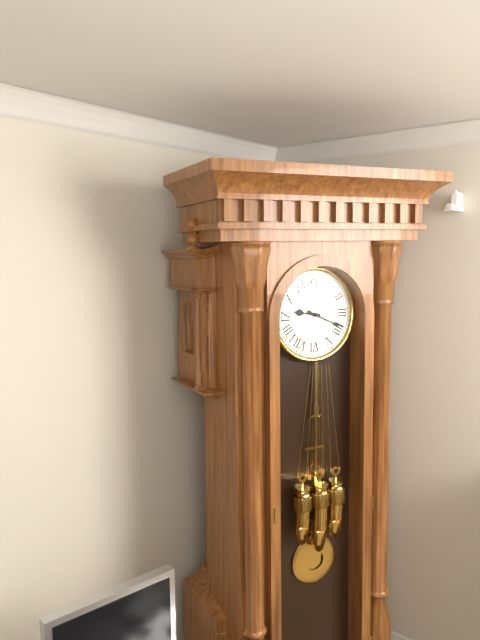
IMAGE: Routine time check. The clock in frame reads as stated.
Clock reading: 9:19
